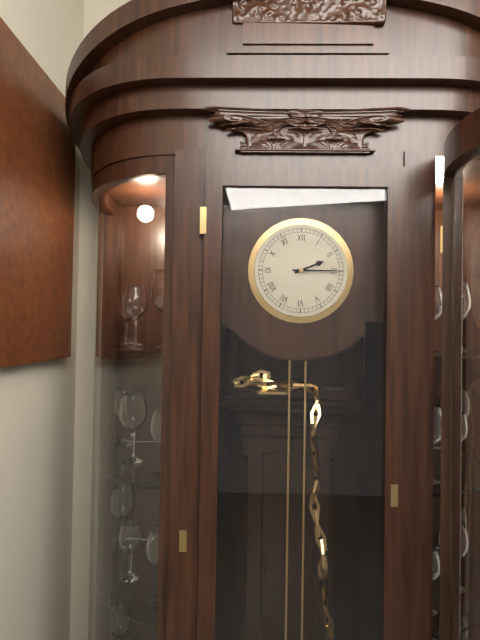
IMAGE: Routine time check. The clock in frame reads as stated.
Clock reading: 2:15
